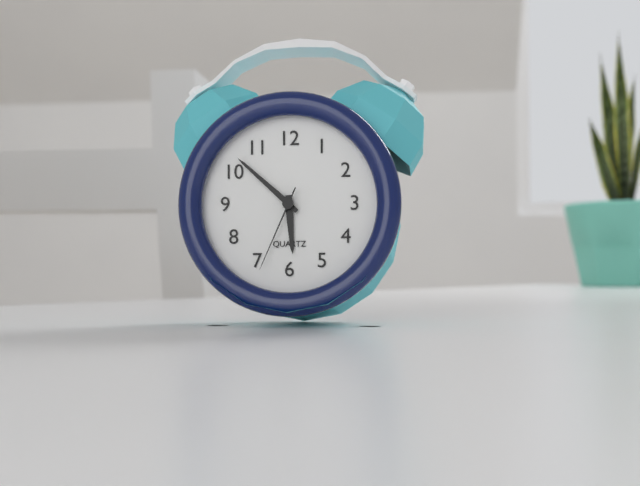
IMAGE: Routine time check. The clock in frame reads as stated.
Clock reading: 5:52:34
